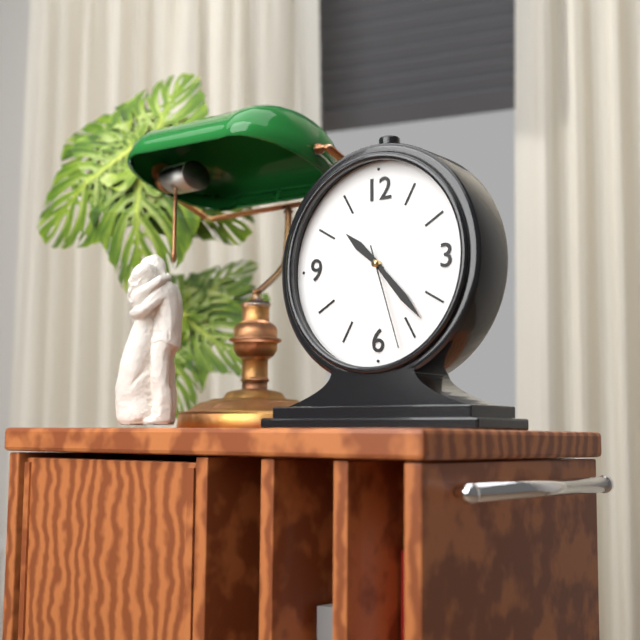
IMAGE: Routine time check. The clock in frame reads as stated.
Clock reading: 10:23:27
